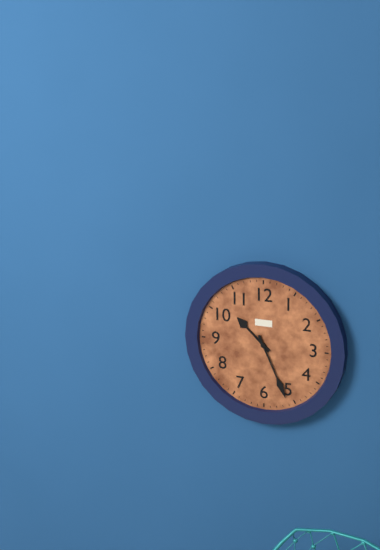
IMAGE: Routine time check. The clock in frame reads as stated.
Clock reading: 10:26
